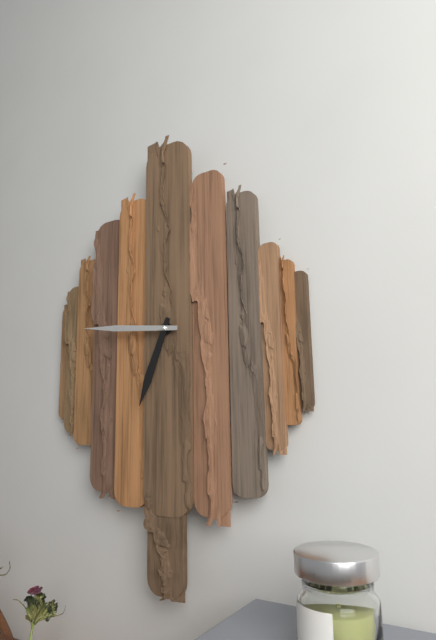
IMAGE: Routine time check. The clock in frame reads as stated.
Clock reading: 6:46
